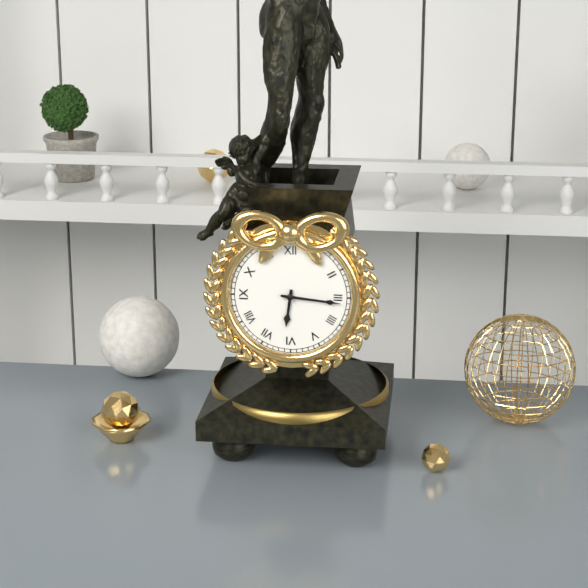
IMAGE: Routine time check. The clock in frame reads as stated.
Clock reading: 6:16
